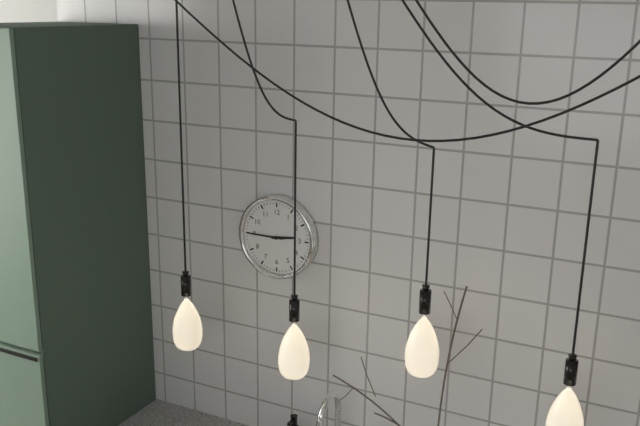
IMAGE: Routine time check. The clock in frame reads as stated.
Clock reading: 2:45
